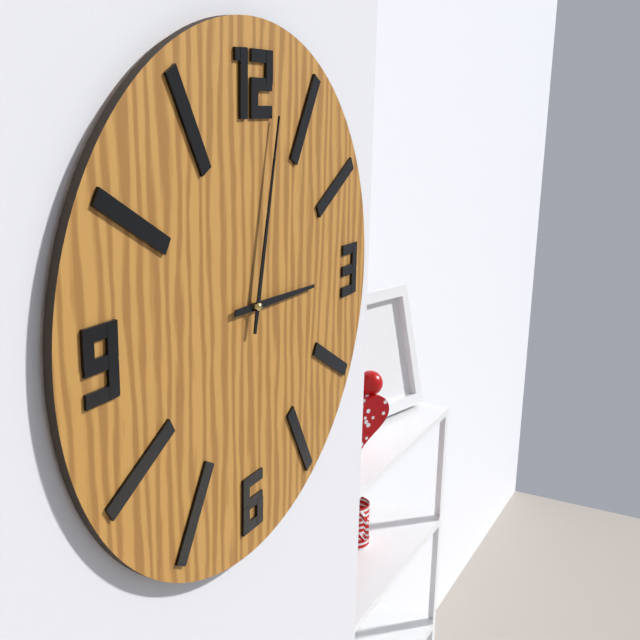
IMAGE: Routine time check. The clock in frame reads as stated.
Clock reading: 3:02
